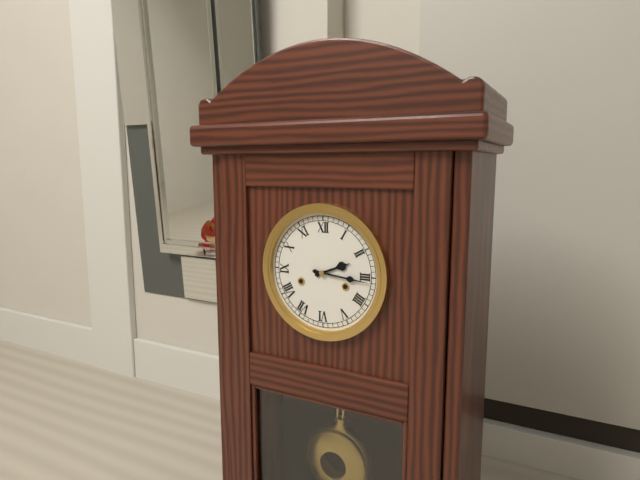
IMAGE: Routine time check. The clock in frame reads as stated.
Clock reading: 2:16
